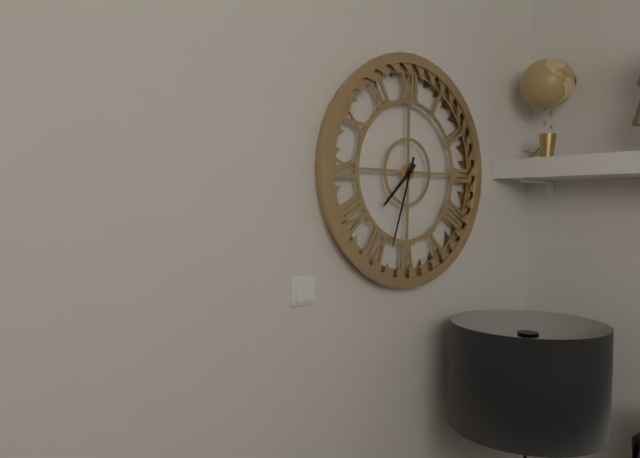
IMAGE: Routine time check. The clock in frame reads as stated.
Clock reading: 7:33
